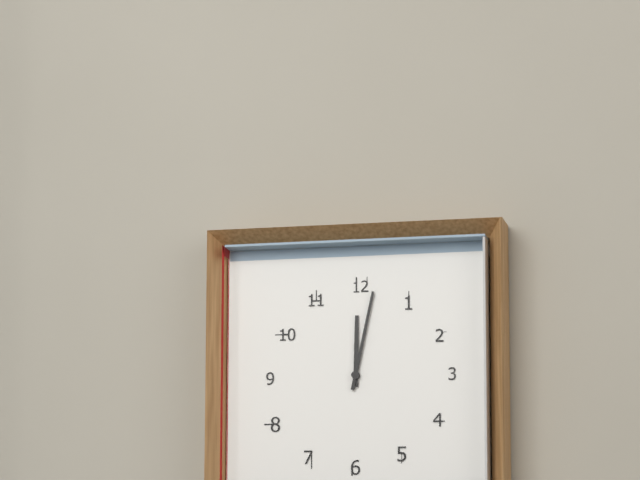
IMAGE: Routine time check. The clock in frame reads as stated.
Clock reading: 12:02
